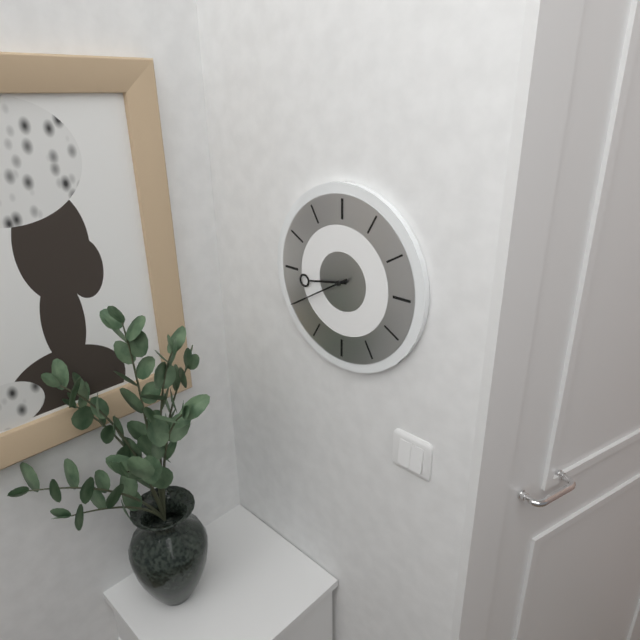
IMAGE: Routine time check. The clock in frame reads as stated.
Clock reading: 8:40
